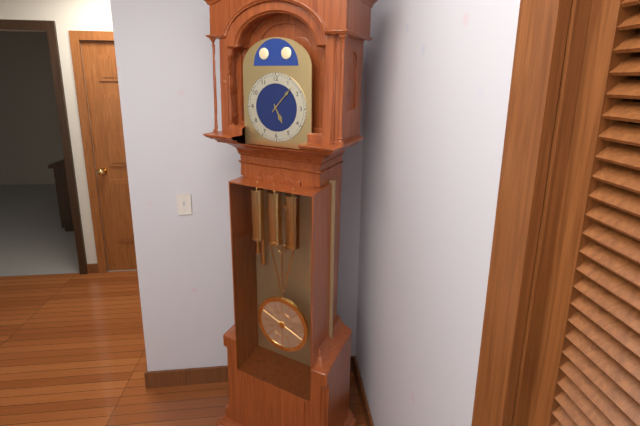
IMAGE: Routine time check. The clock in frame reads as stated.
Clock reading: 5:07
